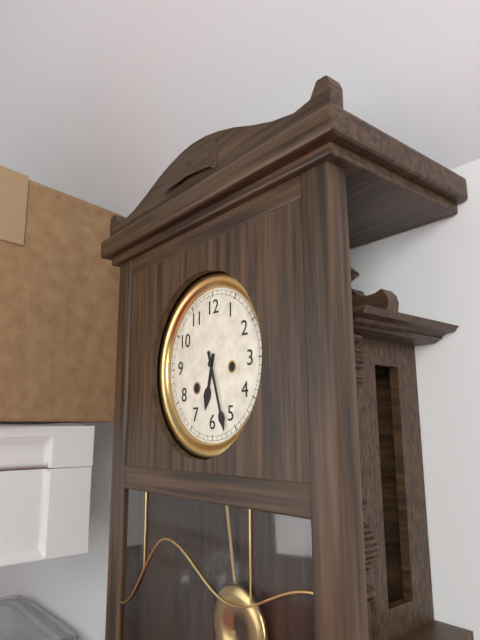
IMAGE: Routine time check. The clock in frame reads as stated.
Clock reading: 6:27
